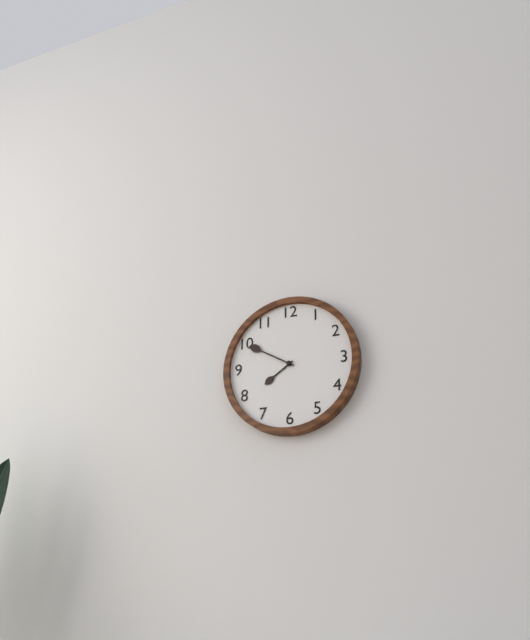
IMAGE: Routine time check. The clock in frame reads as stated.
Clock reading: 7:50
